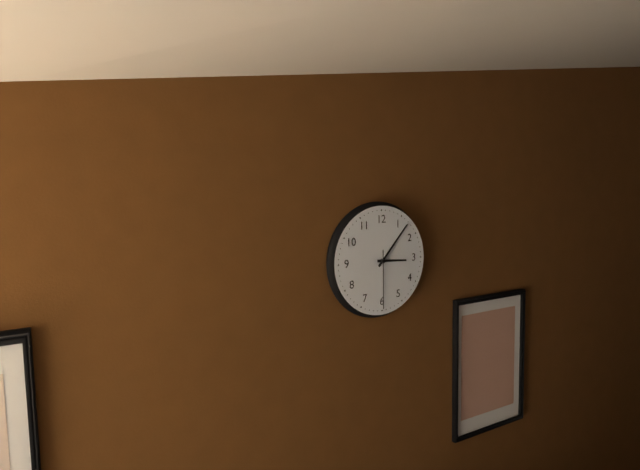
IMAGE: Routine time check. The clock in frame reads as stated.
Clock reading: 3:07:30
